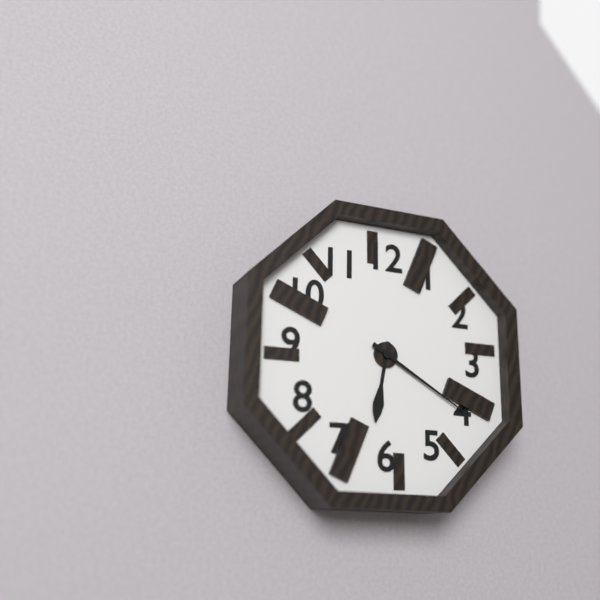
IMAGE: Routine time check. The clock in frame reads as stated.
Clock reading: 6:20
